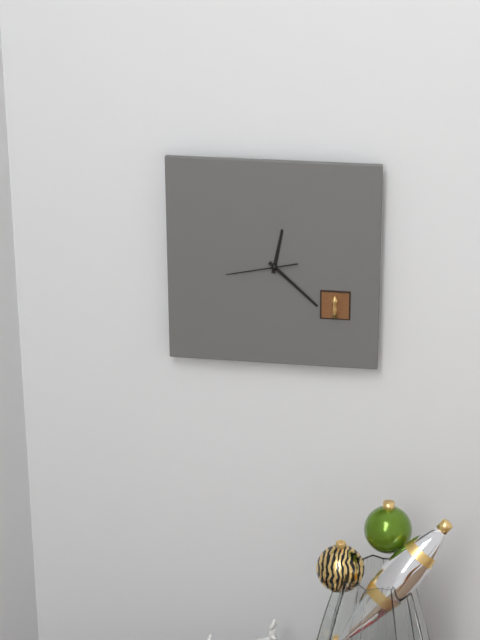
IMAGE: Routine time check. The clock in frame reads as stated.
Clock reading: 12:22:43
